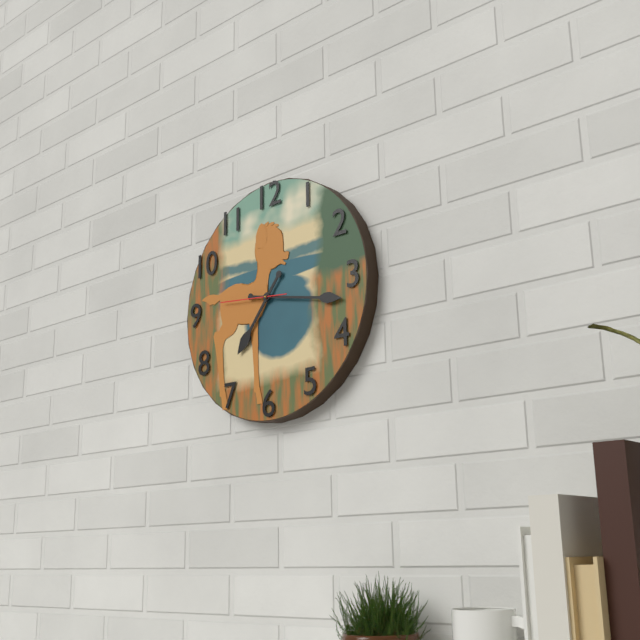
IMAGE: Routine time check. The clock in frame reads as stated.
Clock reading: 7:17:46
